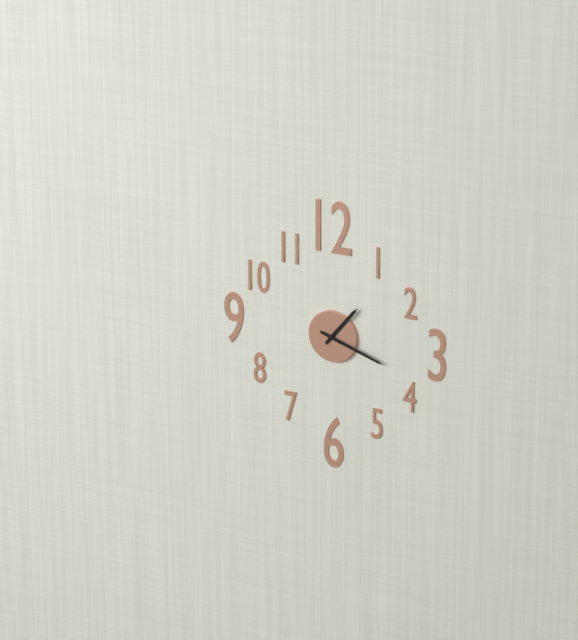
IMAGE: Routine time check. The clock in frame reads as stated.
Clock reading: 1:18
